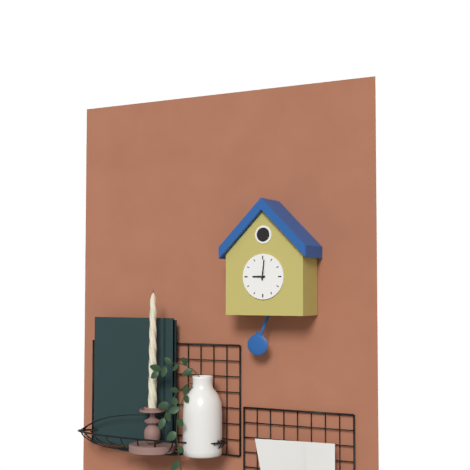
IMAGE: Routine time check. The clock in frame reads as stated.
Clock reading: 9:01
